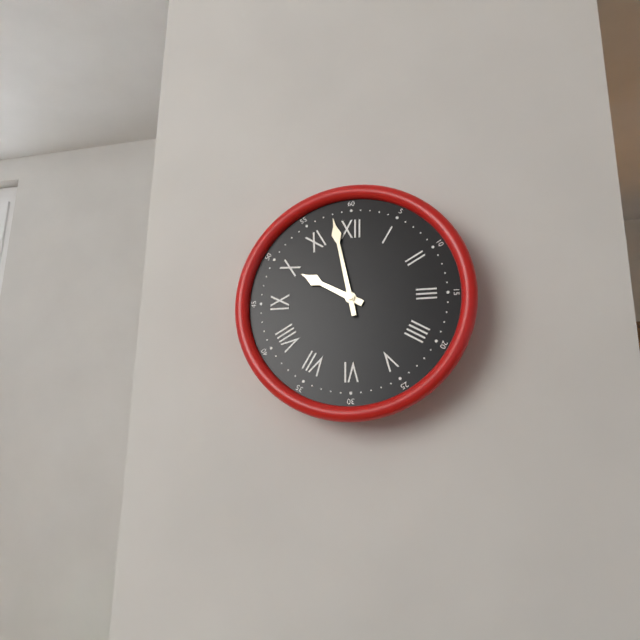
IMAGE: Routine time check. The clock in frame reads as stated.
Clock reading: 9:58
